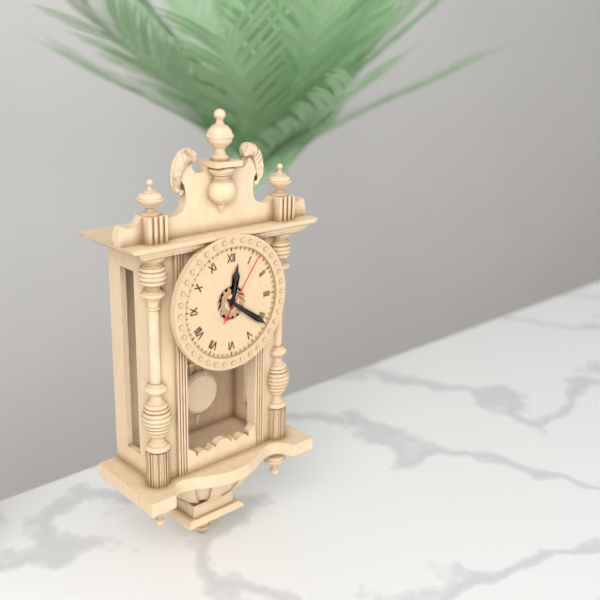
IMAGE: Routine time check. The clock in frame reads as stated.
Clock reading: 12:21:06
